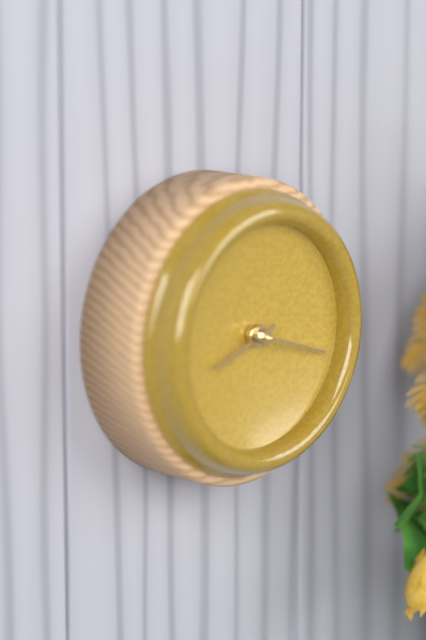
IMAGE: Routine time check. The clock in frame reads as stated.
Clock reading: 8:18
